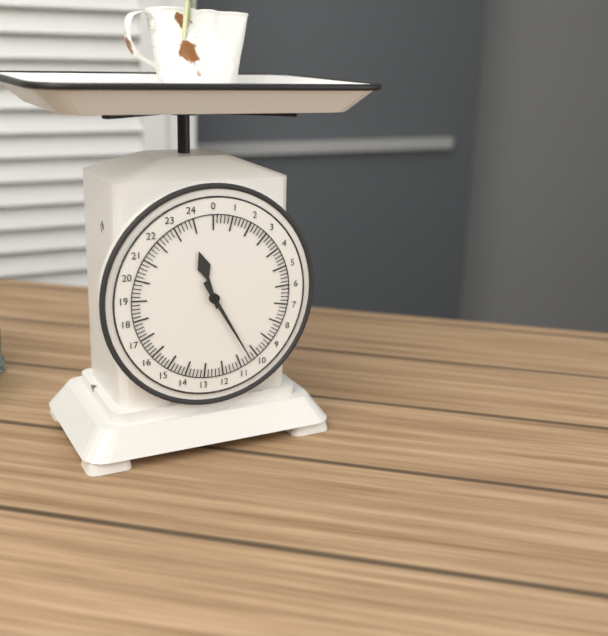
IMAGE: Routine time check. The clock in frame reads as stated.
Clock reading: 11:25
